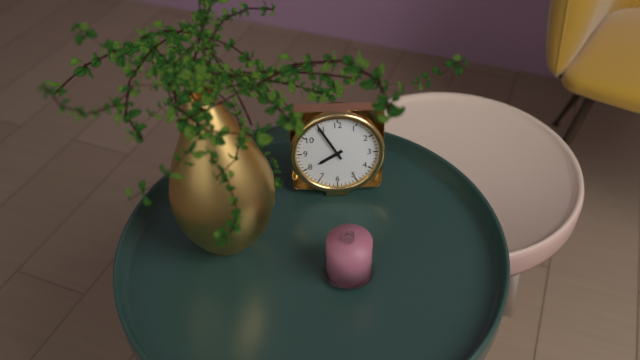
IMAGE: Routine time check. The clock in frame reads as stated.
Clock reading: 7:55
